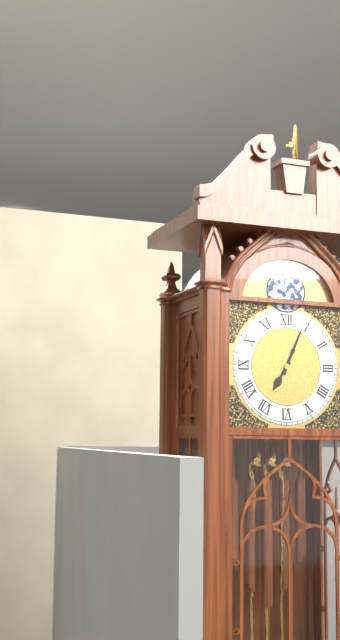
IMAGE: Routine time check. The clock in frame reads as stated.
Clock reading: 7:04
